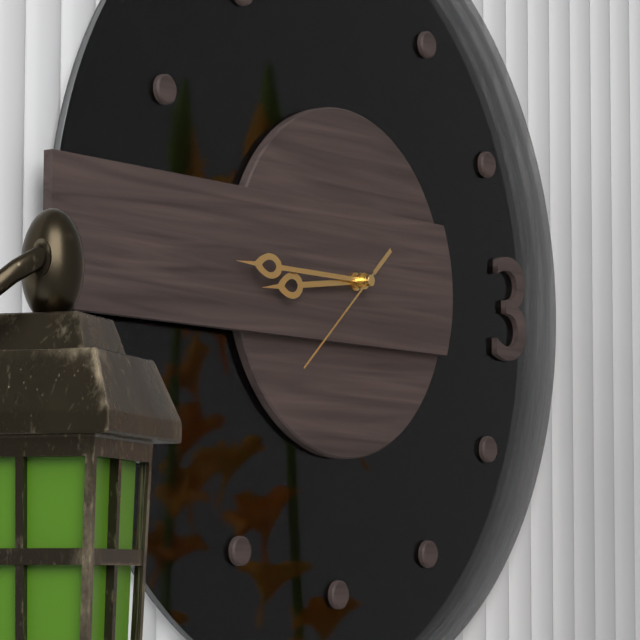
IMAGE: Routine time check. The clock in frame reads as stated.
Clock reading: 8:45:38
